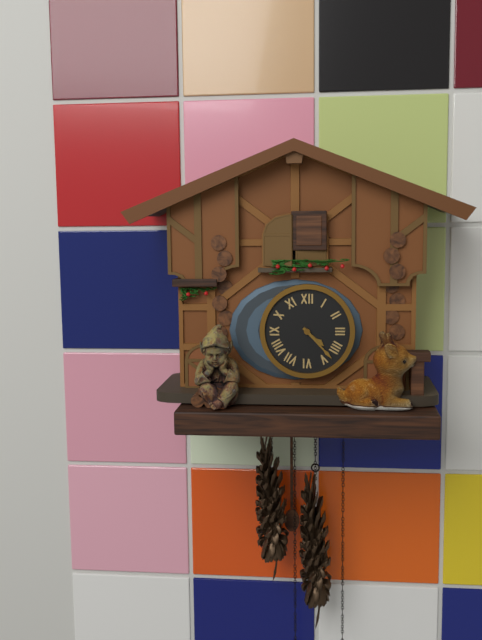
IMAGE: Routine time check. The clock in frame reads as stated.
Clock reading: 4:23
